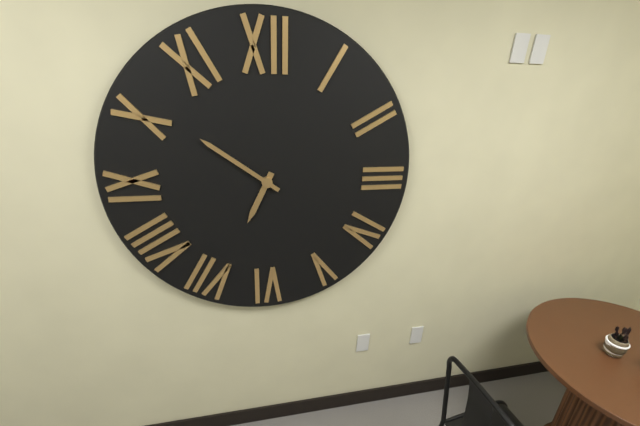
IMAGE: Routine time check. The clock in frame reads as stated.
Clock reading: 6:51
